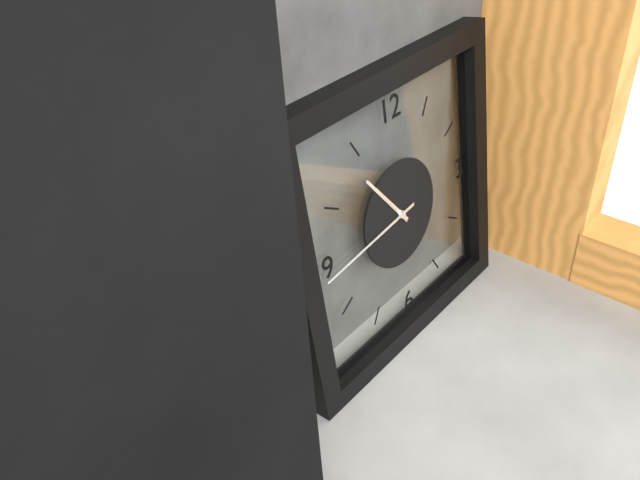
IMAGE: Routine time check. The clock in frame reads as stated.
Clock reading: 10:44
